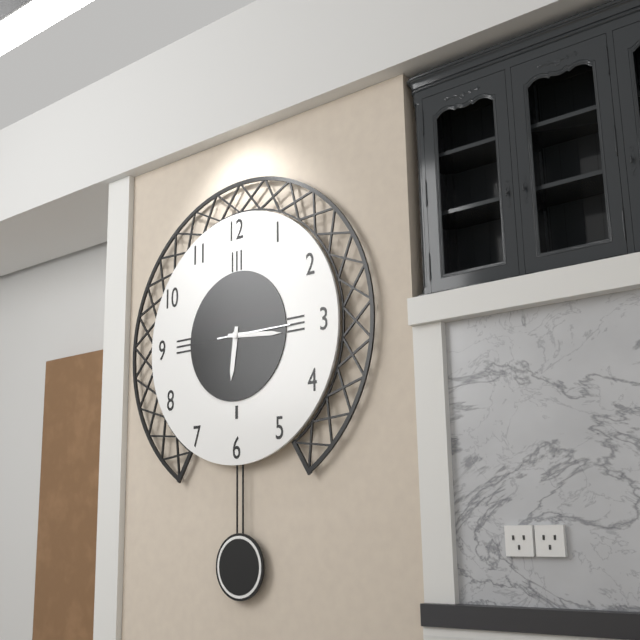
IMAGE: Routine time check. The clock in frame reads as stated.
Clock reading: 6:16:15
